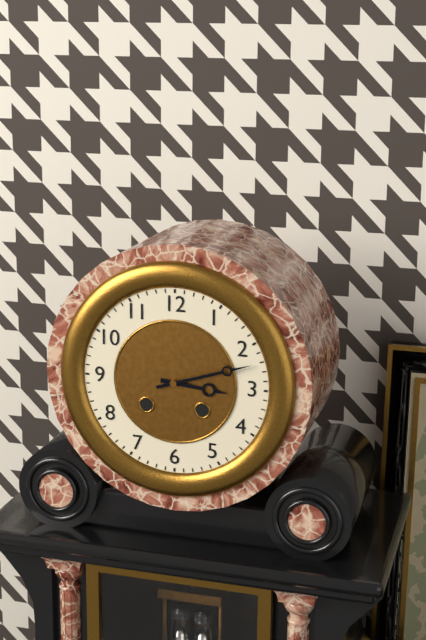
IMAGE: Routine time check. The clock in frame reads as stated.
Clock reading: 3:12
